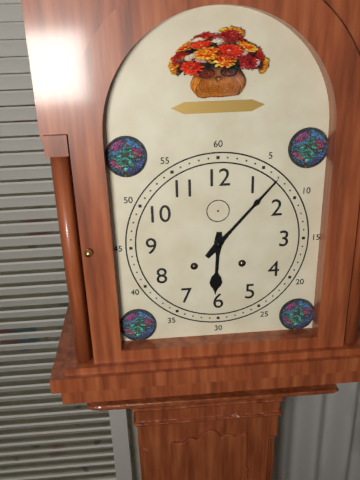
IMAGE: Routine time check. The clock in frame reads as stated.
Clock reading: 6:07
